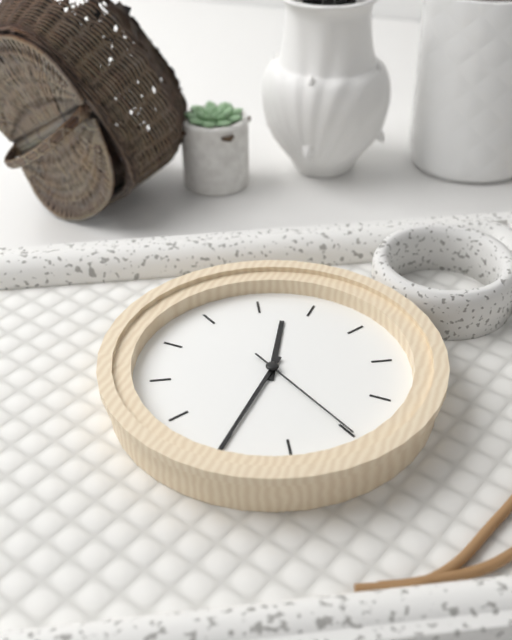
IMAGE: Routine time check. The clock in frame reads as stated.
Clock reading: 11:30:20
